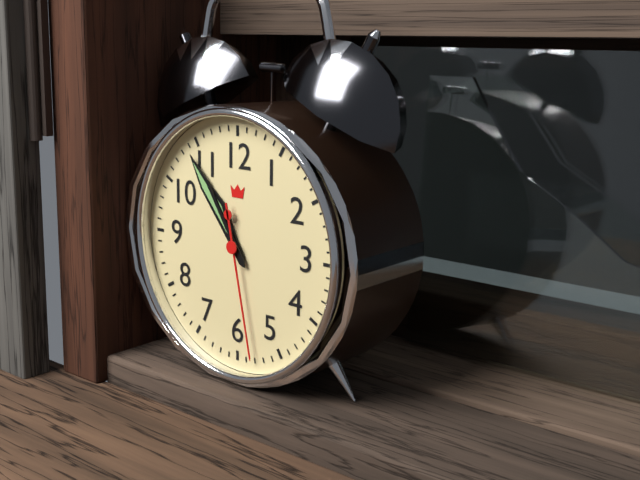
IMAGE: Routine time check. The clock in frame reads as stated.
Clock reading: 10:54:28
